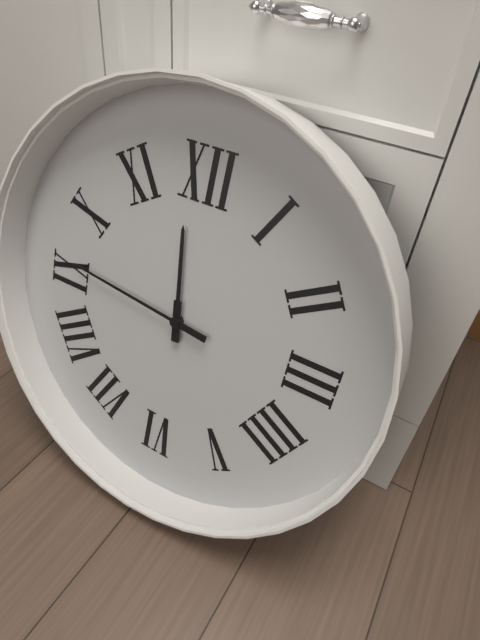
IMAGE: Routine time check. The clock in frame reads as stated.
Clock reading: 11:46
